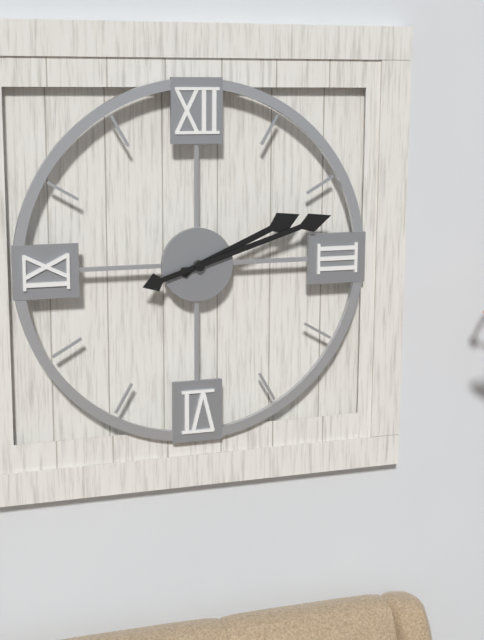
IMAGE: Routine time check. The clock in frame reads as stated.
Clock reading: 2:12
